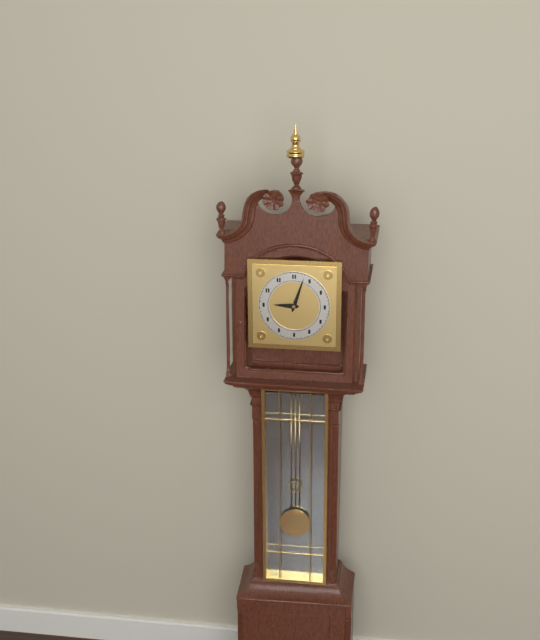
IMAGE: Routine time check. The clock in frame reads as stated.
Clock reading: 9:03
